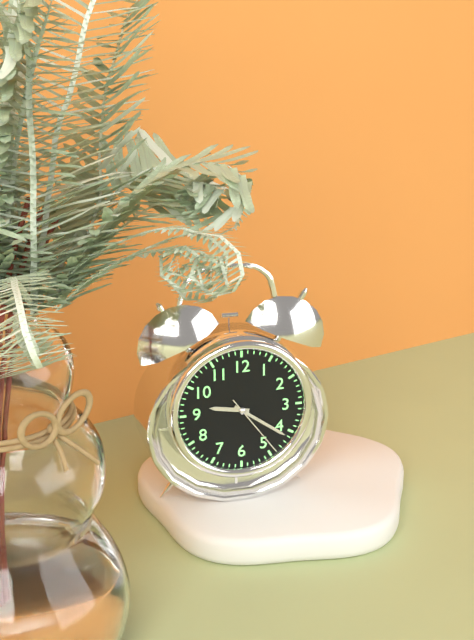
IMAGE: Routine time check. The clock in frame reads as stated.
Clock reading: 9:21:24
